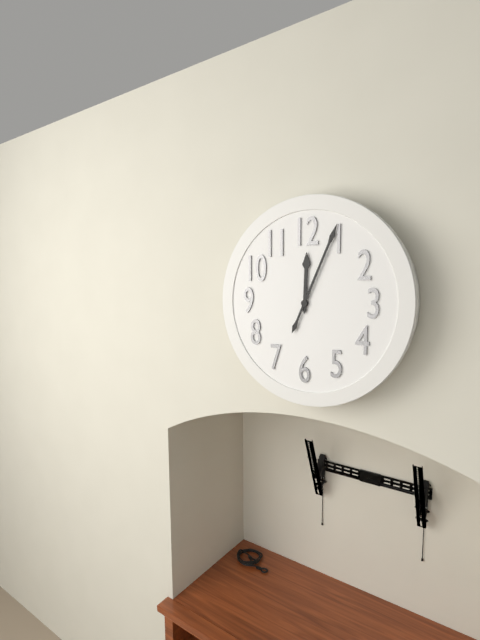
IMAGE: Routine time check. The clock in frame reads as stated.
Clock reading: 12:04
